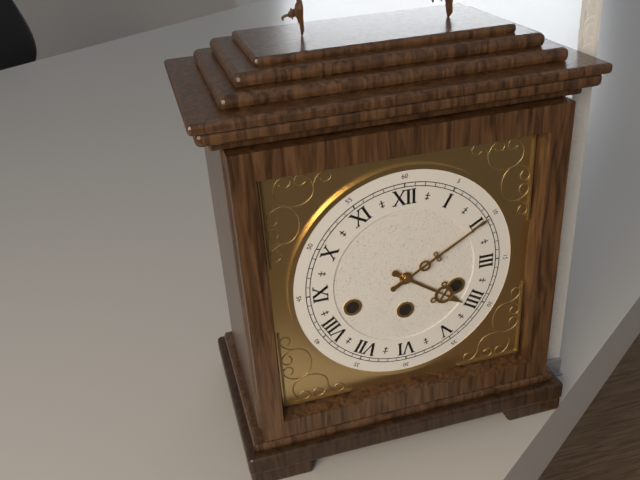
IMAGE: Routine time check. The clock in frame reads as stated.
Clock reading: 4:10
